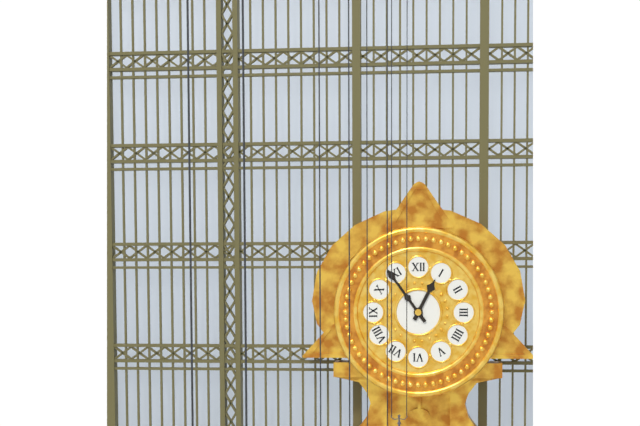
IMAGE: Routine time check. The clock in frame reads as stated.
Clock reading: 12:54
